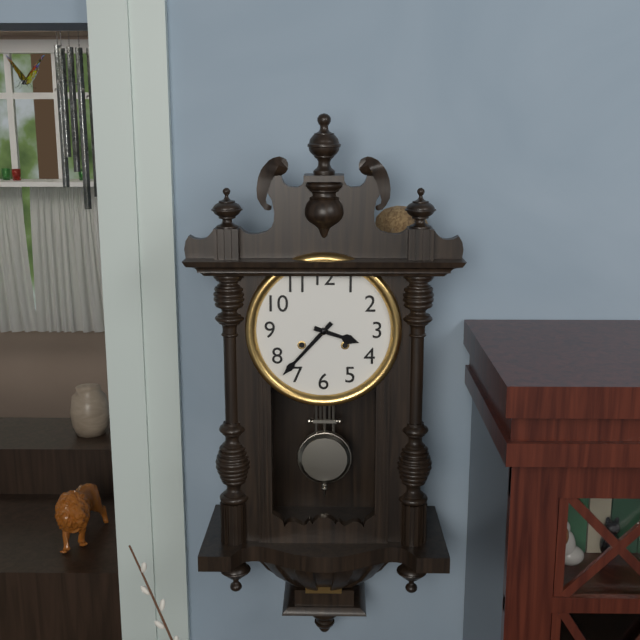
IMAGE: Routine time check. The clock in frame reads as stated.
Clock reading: 3:37
